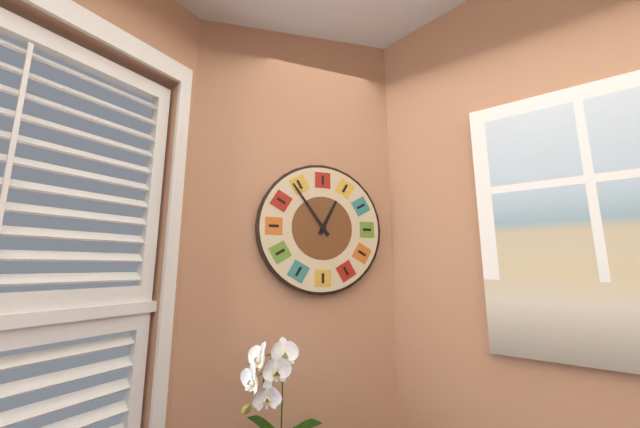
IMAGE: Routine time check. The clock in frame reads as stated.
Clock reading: 12:54
